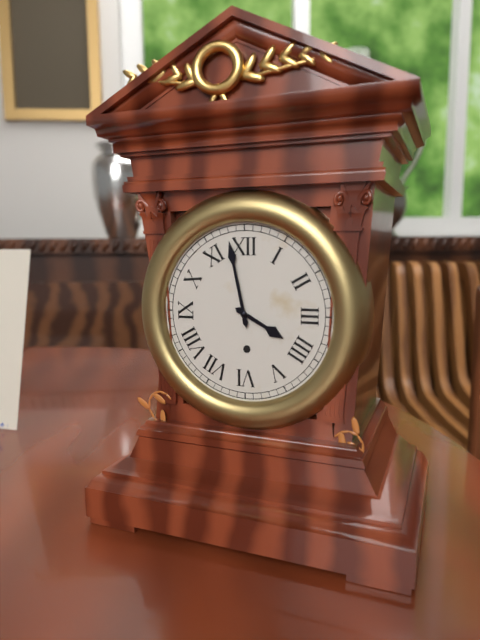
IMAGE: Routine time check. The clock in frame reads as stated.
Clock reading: 3:58
